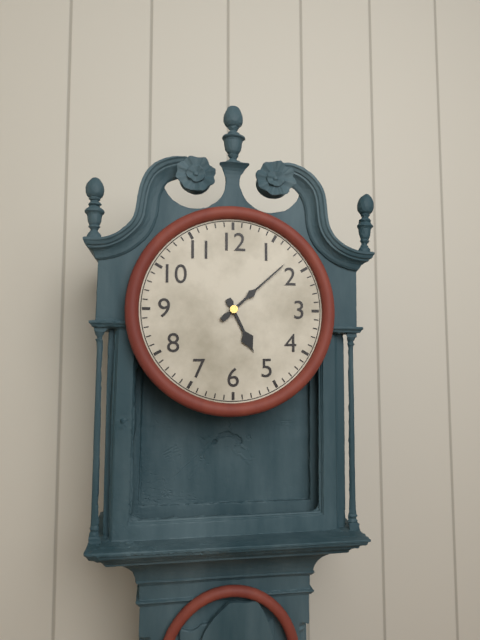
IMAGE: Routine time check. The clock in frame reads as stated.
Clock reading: 5:08
